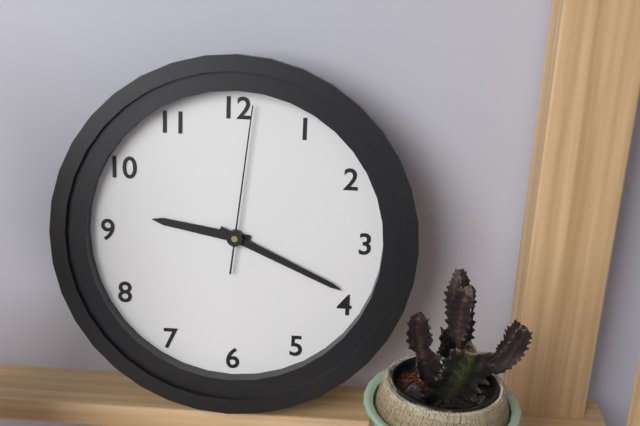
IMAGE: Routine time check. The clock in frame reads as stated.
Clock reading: 9:19:01
